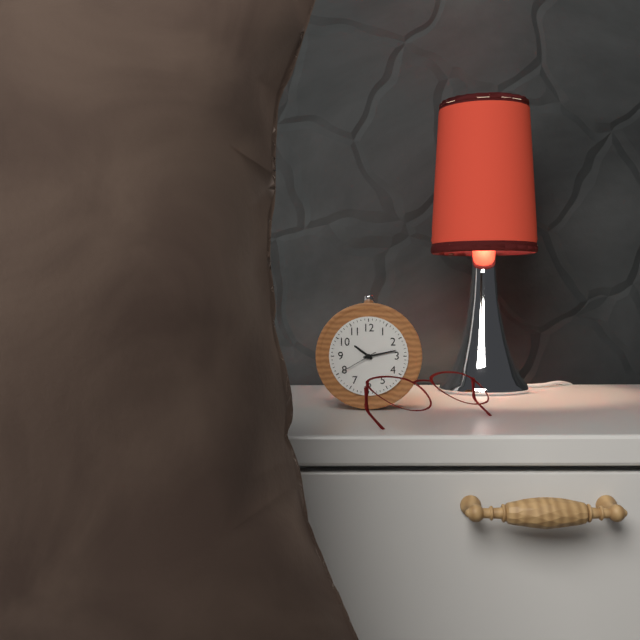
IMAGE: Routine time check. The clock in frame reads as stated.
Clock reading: 10:13
